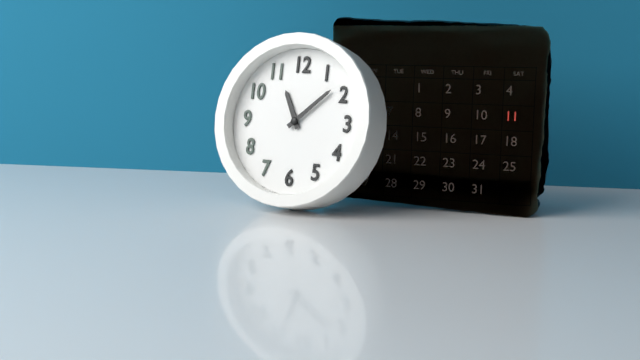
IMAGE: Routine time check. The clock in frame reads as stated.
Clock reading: 11:08
